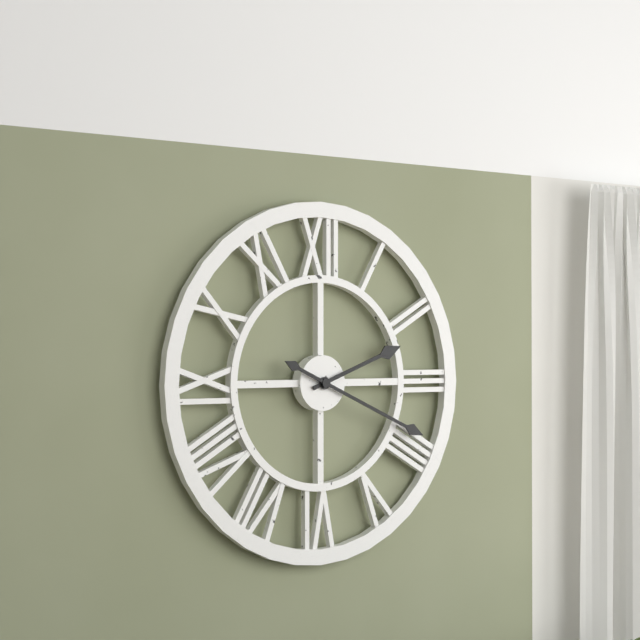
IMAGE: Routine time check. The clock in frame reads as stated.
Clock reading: 2:19
